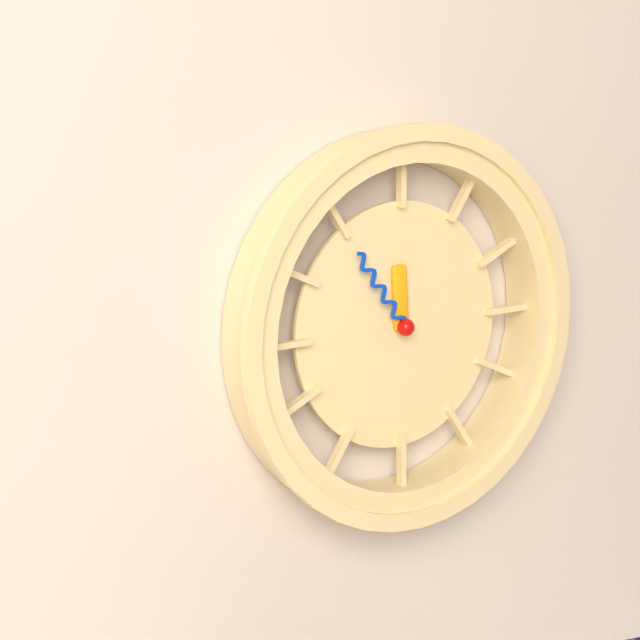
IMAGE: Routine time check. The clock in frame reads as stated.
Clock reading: 11:54
